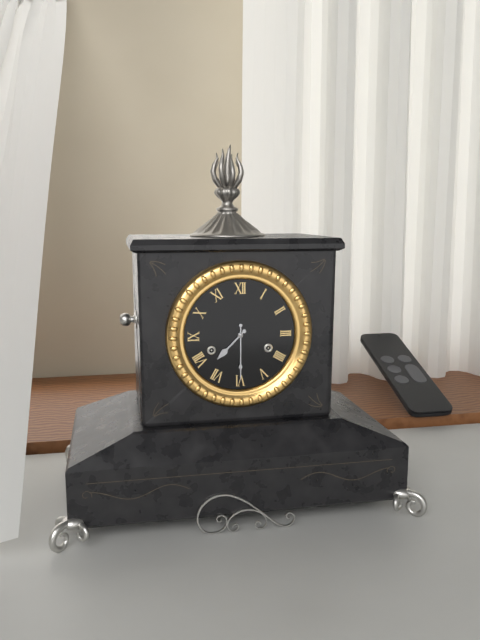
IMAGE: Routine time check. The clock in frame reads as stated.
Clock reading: 7:30
